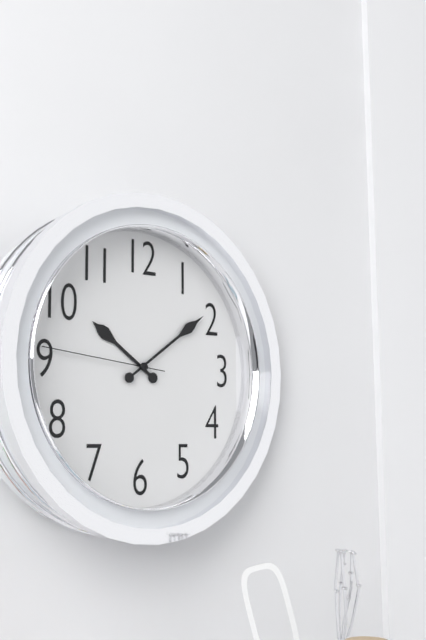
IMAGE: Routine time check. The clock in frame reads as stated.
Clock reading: 10:09:46
